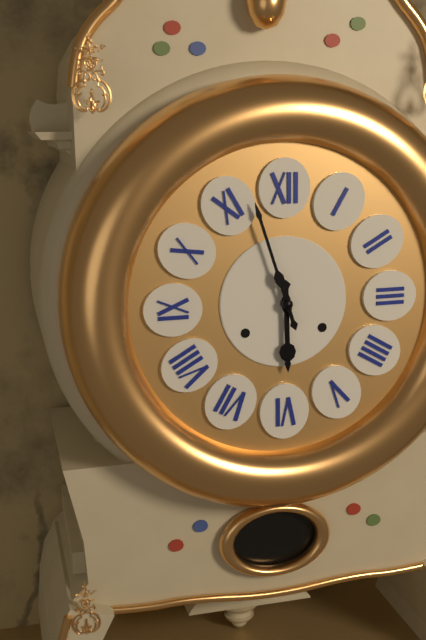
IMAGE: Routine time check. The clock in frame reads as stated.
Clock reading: 5:57
